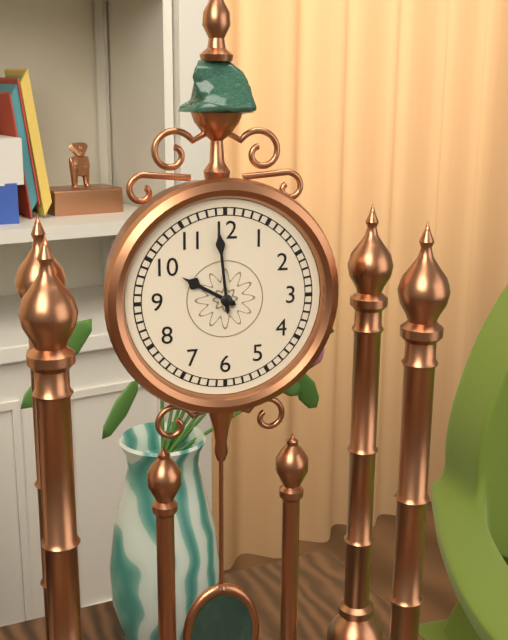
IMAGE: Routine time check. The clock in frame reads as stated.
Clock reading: 9:59
